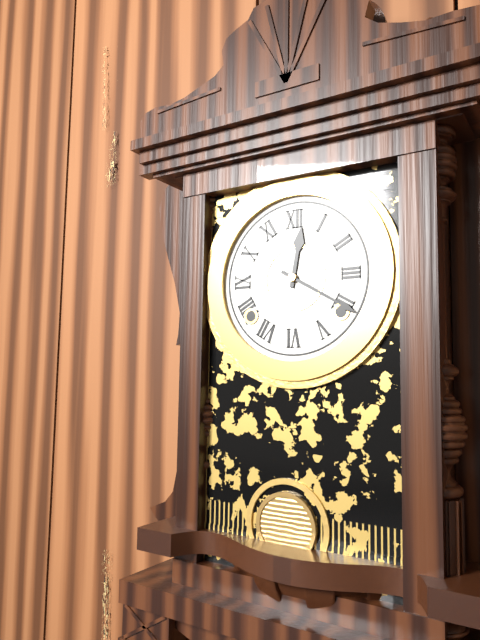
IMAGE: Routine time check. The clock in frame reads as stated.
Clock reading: 12:20
